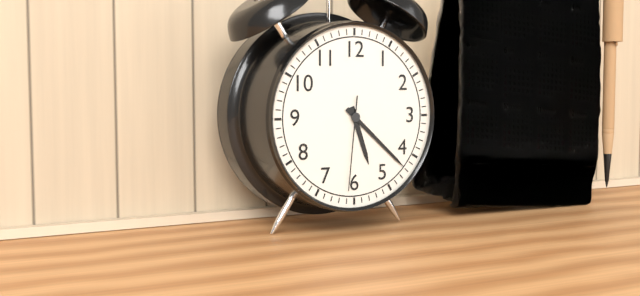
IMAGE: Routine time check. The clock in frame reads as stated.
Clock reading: 5:22:31
